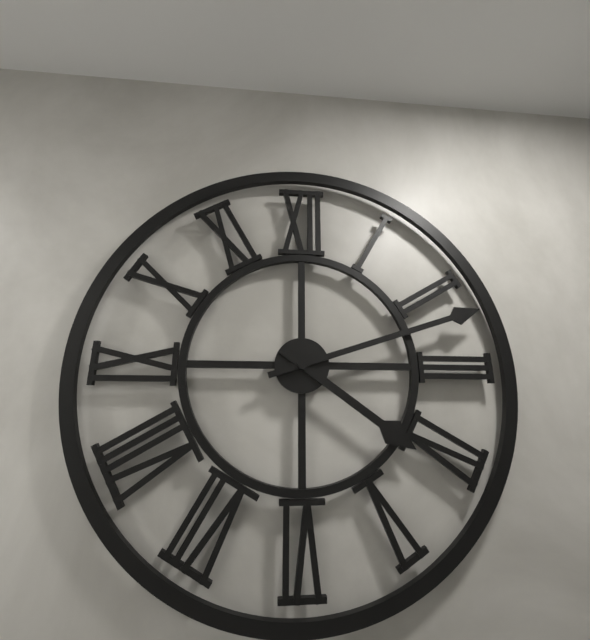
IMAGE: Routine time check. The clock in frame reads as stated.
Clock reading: 4:12
